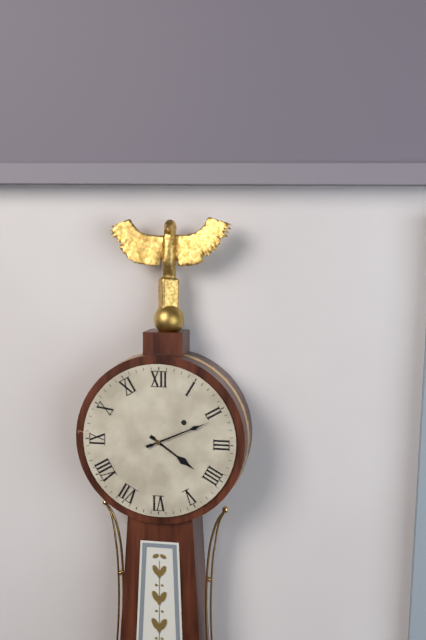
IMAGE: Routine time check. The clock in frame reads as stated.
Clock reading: 4:11
